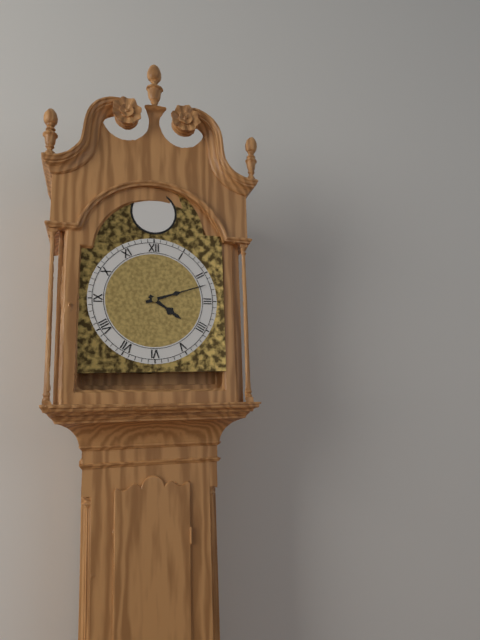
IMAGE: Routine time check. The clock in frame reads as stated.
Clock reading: 4:12
